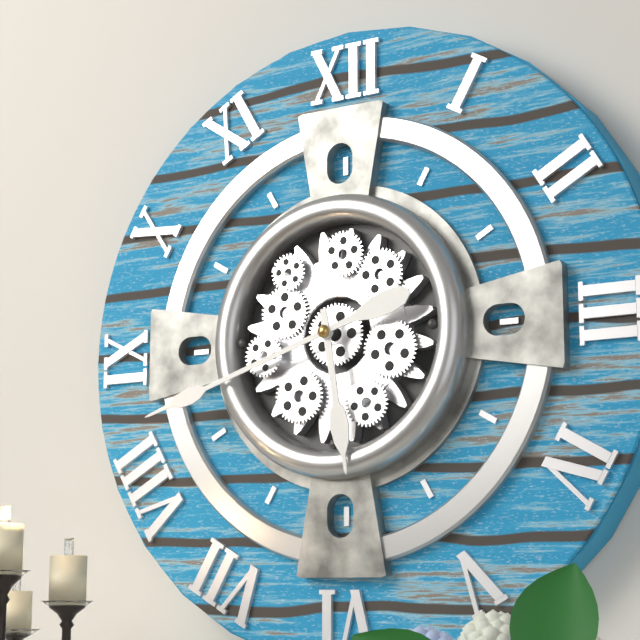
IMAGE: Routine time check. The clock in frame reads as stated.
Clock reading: 5:42
